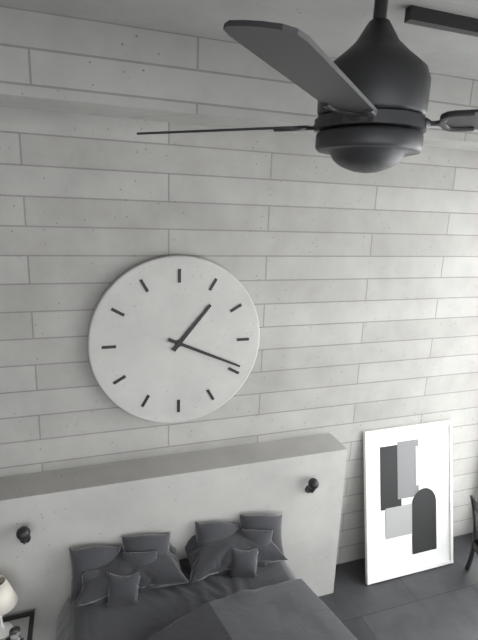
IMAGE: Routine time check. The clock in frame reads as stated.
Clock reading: 1:19
